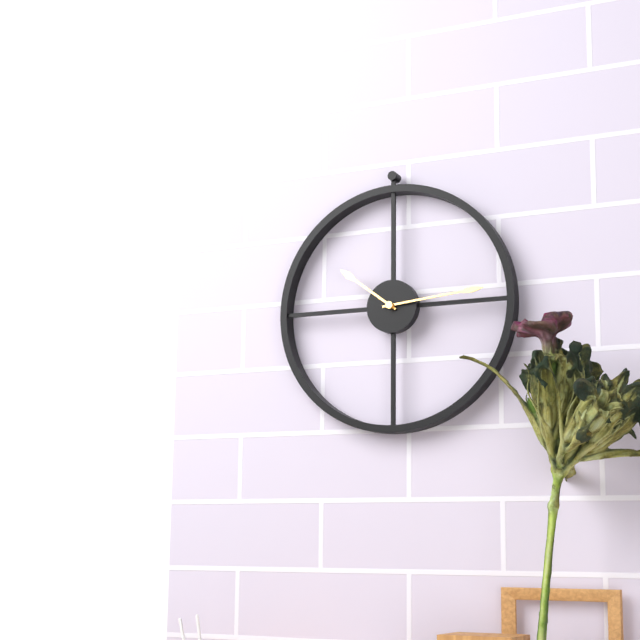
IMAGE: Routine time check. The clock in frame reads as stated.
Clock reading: 10:14
